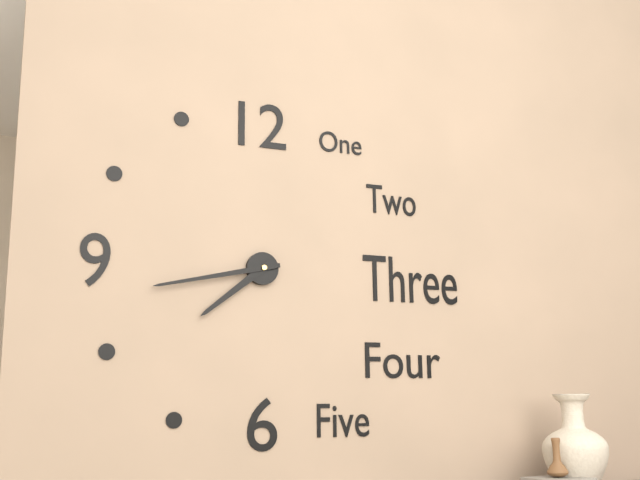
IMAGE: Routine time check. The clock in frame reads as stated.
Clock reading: 7:43
